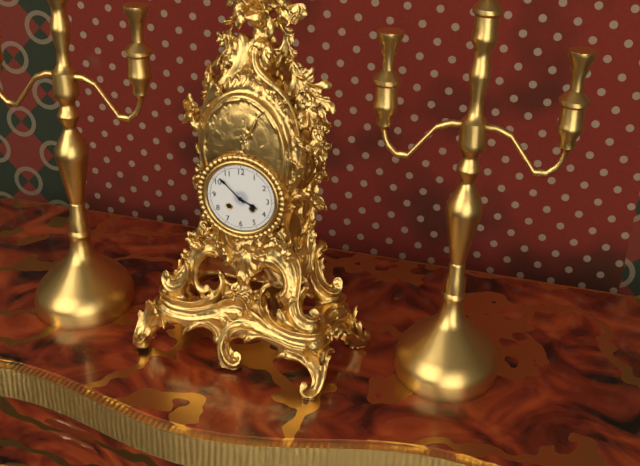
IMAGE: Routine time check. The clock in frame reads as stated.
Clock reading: 3:52
